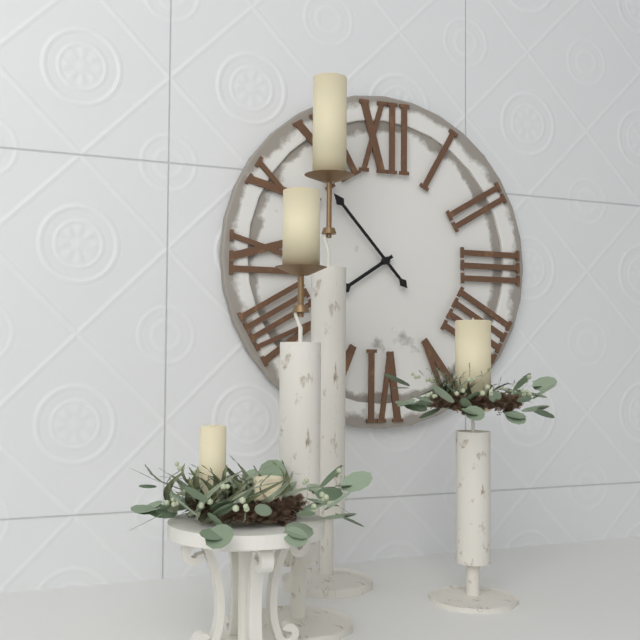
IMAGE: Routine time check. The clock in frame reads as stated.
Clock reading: 7:53
